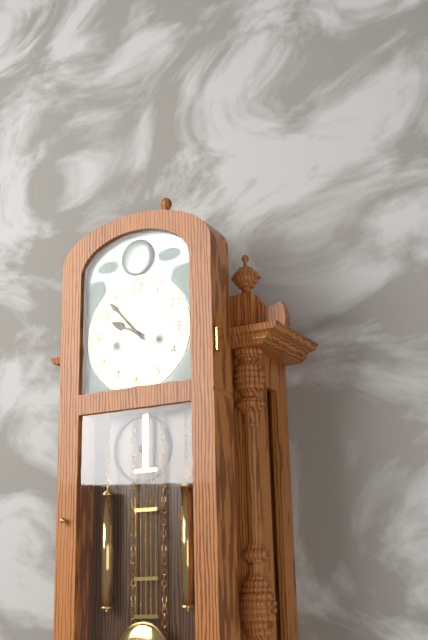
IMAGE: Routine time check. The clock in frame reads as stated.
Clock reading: 9:53
